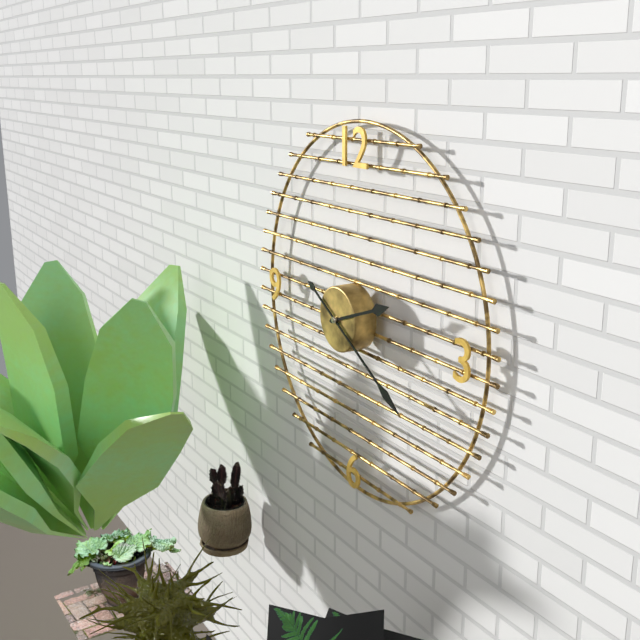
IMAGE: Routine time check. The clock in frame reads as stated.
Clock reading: 2:20
